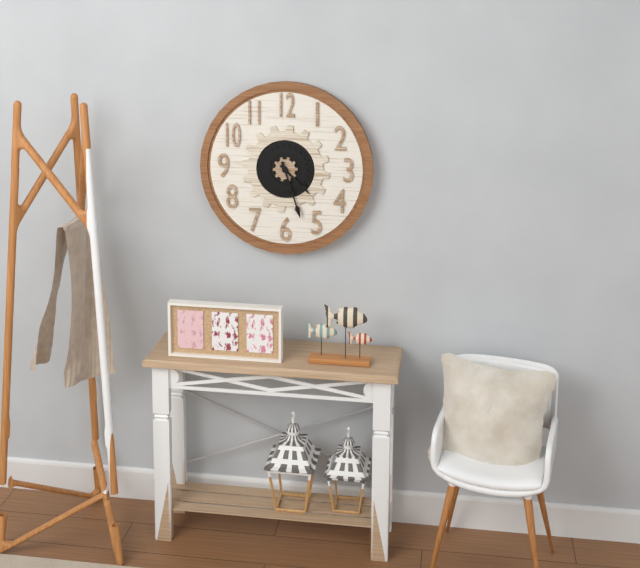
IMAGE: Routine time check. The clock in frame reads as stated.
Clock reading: 4:27
